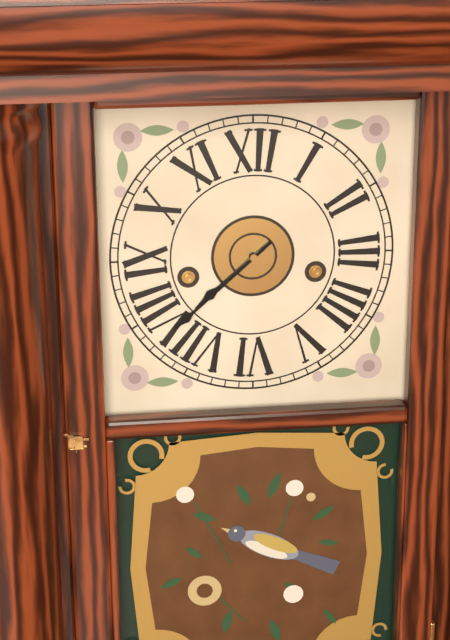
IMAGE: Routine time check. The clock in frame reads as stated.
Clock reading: 7:38
